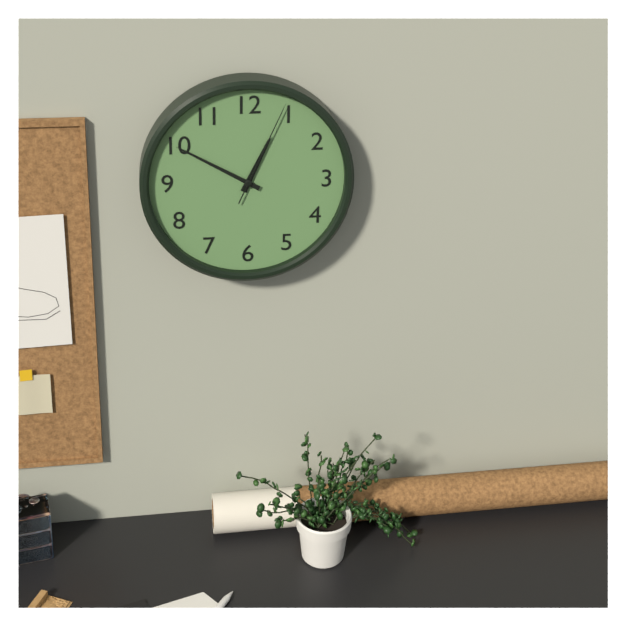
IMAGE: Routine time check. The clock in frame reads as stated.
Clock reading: 12:50:04
